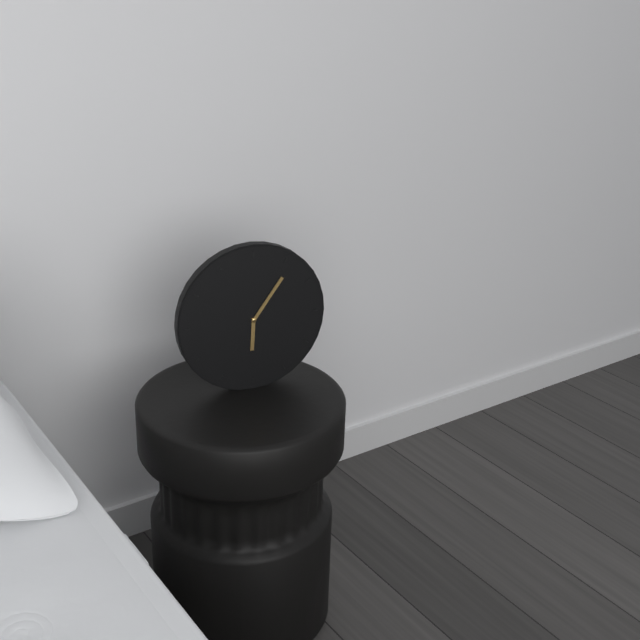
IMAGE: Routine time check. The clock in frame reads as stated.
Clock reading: 6:06
